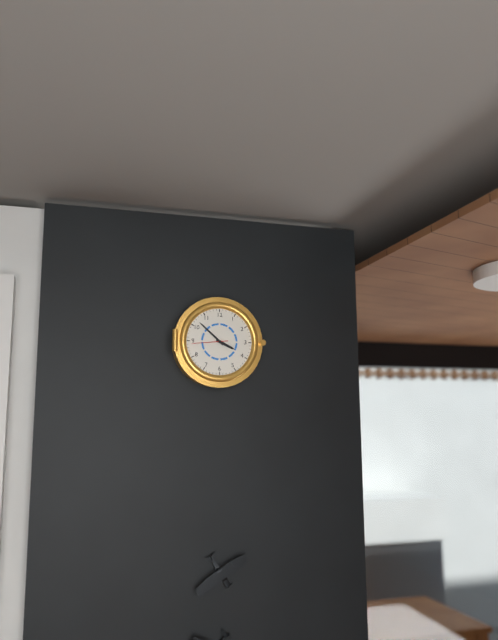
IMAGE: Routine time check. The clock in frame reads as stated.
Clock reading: 3:52
